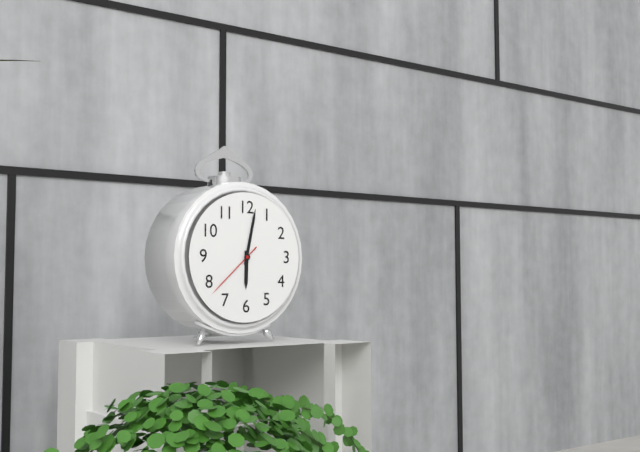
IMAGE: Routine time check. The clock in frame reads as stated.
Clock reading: 6:02:38
